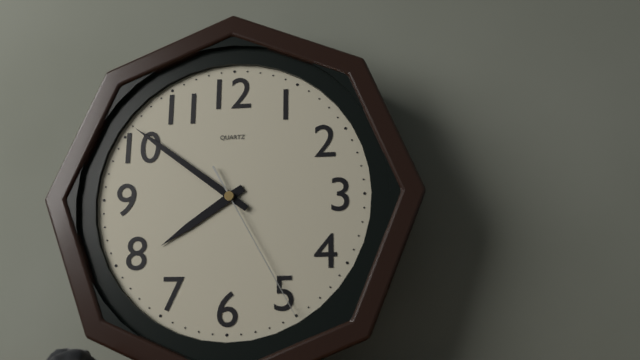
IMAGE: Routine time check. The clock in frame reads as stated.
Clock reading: 7:51:25
